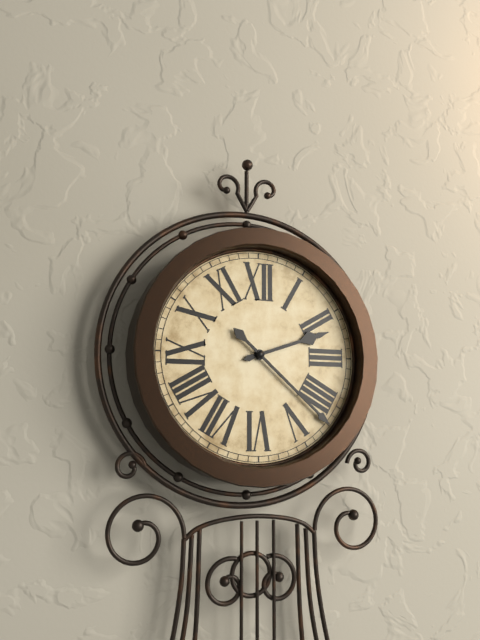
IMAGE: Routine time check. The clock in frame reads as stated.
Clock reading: 2:22
